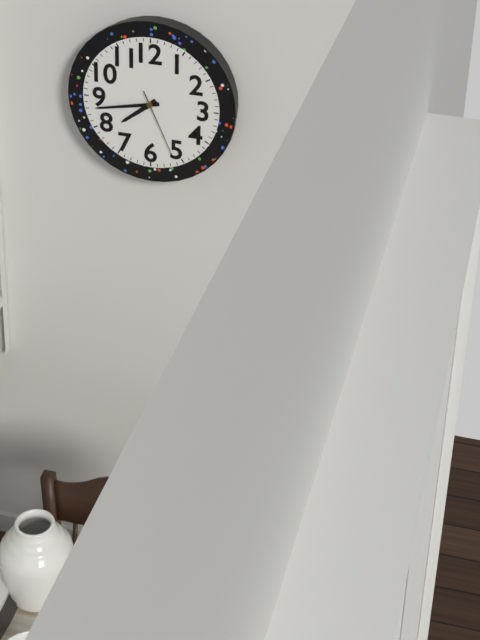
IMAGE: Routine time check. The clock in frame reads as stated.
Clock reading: 7:43:26
